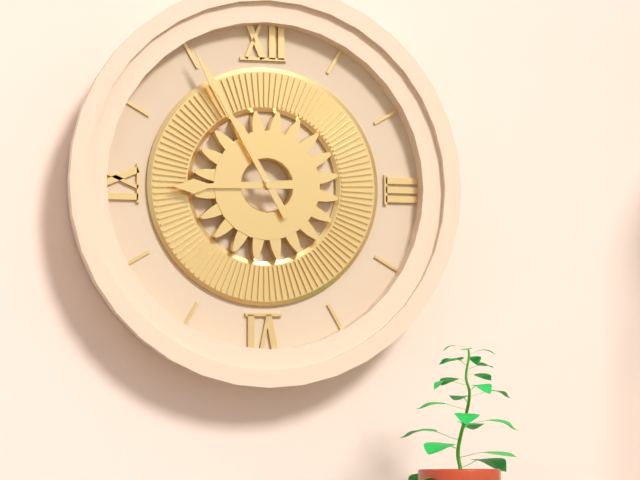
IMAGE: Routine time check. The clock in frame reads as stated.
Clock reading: 8:55
